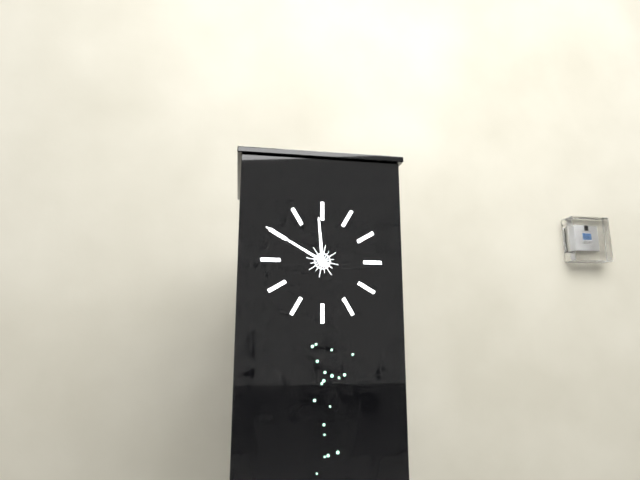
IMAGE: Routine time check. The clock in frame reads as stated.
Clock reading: 11:50
